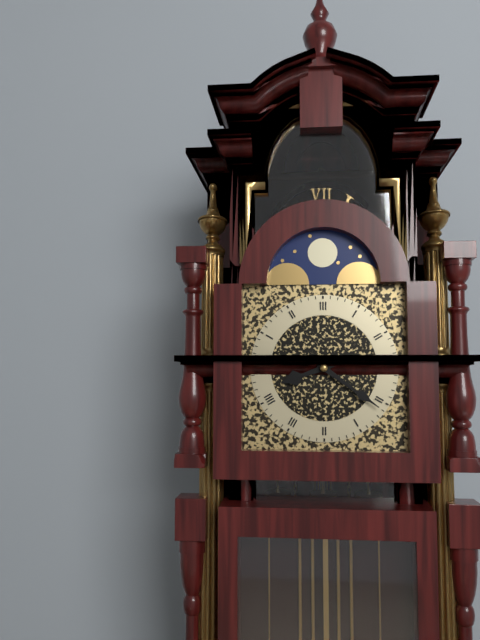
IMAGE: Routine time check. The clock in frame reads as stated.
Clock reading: 8:21
